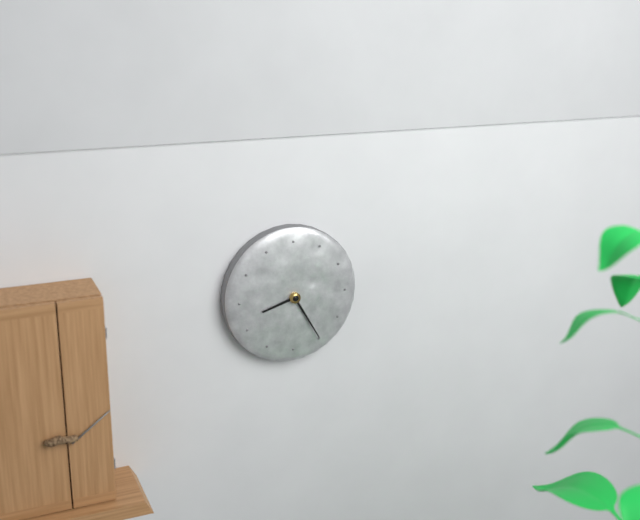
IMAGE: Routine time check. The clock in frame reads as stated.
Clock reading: 8:25
